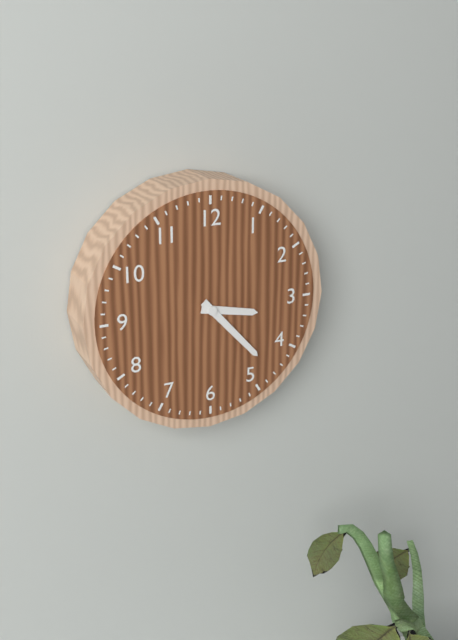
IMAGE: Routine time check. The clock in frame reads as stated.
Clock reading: 3:23
